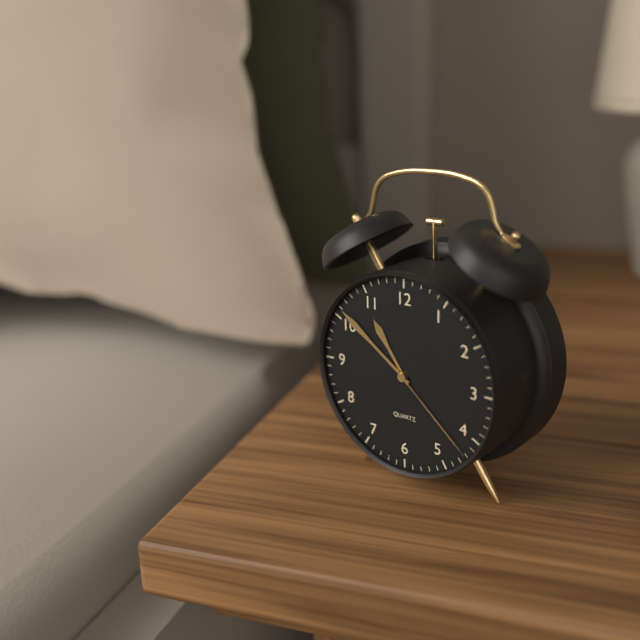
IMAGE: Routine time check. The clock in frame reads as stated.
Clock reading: 10:51:22
